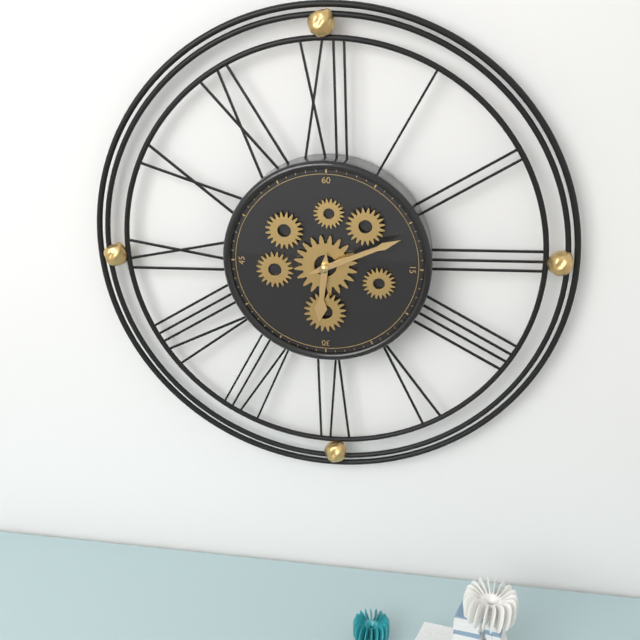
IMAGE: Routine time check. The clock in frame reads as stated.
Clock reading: 6:11
